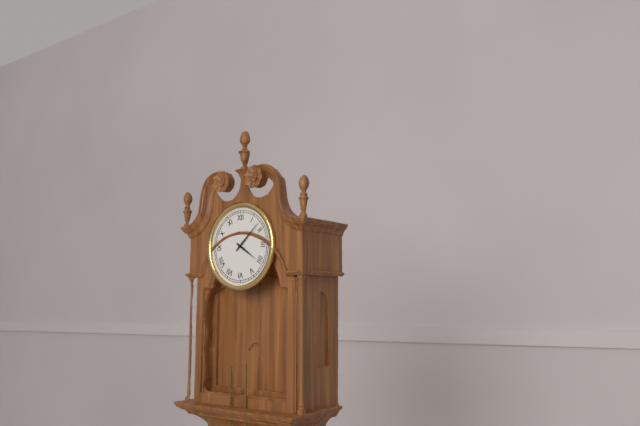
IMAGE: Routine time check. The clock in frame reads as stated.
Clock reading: 4:08
